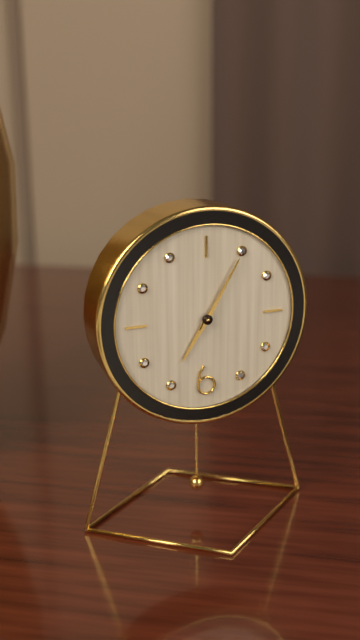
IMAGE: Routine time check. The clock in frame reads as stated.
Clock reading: 7:05
